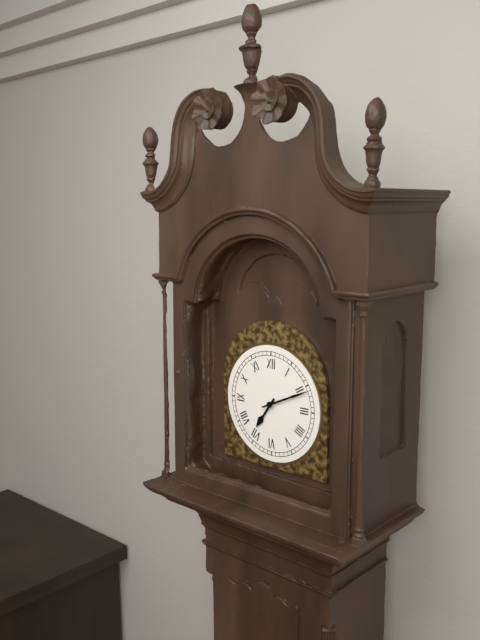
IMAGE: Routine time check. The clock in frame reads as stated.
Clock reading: 7:11
